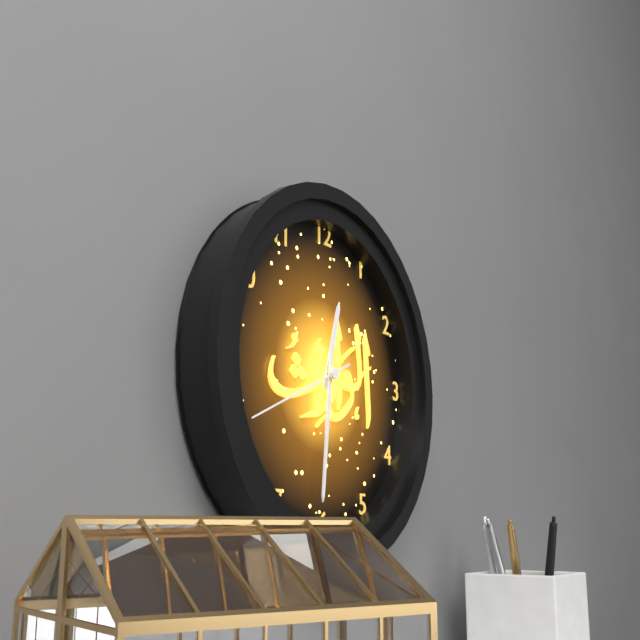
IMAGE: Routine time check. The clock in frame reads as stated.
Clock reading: 12:31:41
